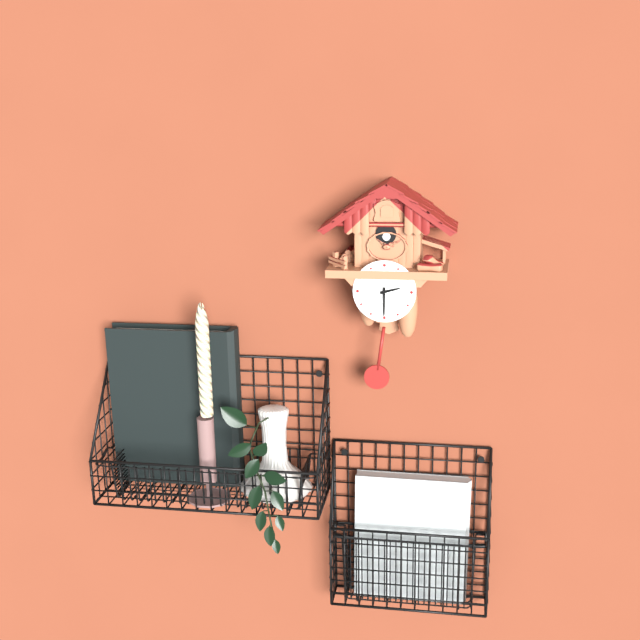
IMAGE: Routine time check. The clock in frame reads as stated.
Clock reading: 2:30
